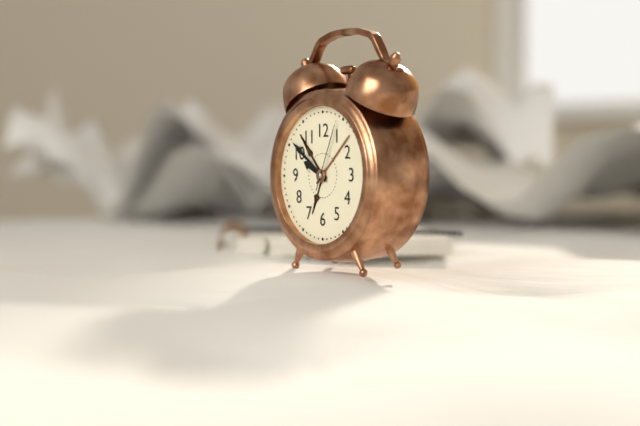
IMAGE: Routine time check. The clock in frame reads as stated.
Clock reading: 9:51:04
